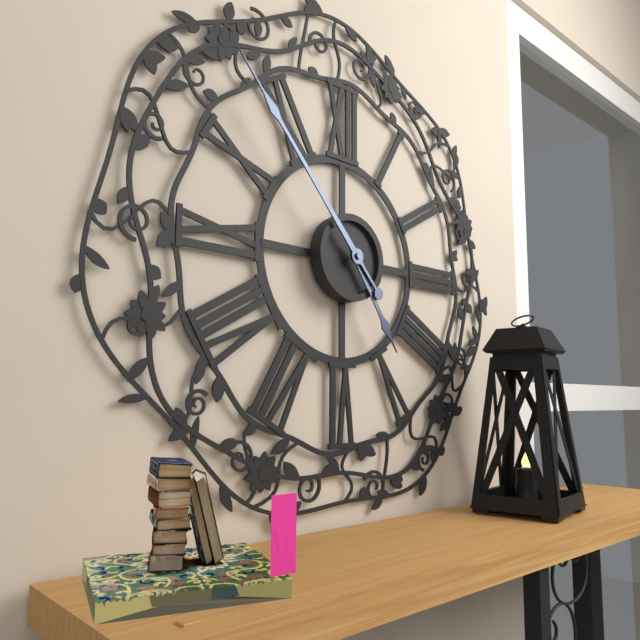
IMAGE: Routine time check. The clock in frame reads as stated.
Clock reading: 4:53
